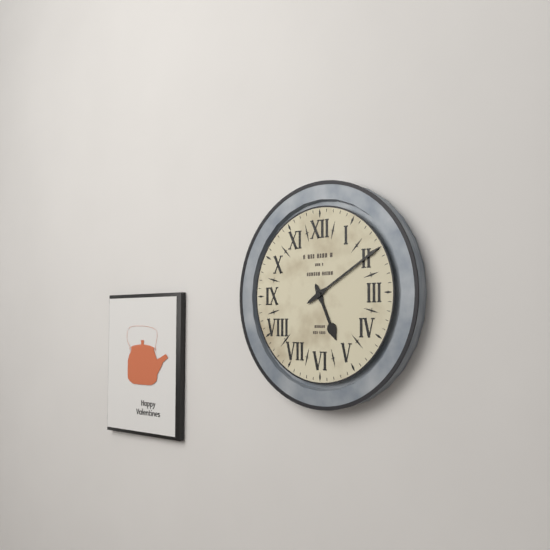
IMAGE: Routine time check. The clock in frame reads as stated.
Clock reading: 5:10
